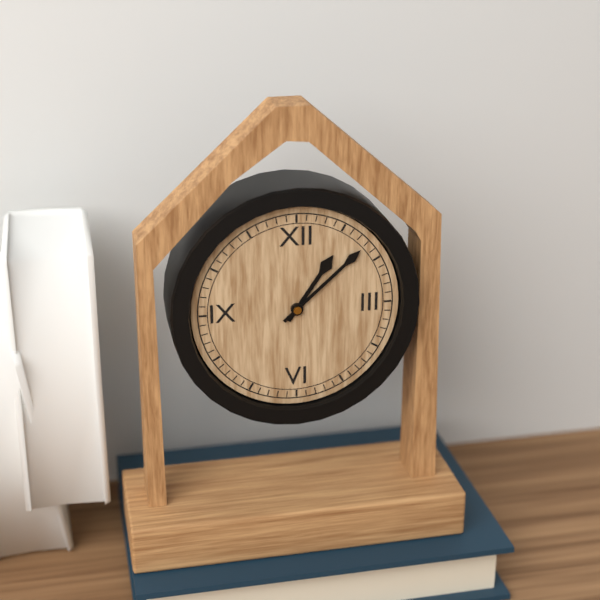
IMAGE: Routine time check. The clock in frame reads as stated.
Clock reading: 1:08
